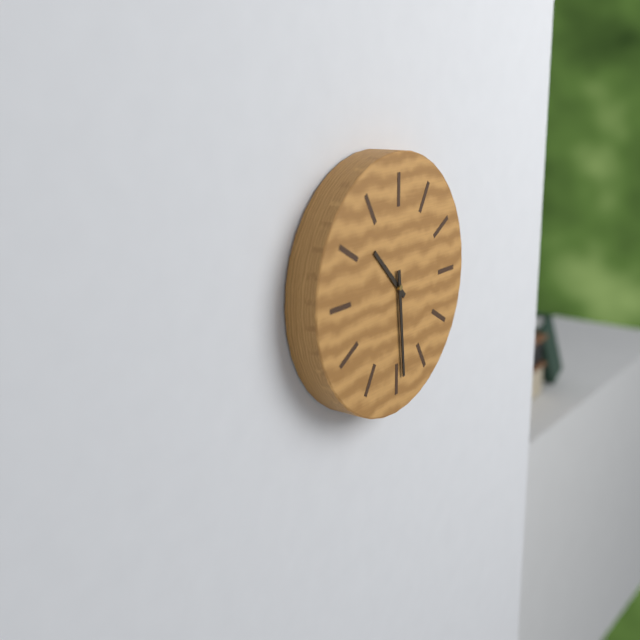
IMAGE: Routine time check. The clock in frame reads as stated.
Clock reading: 10:29
